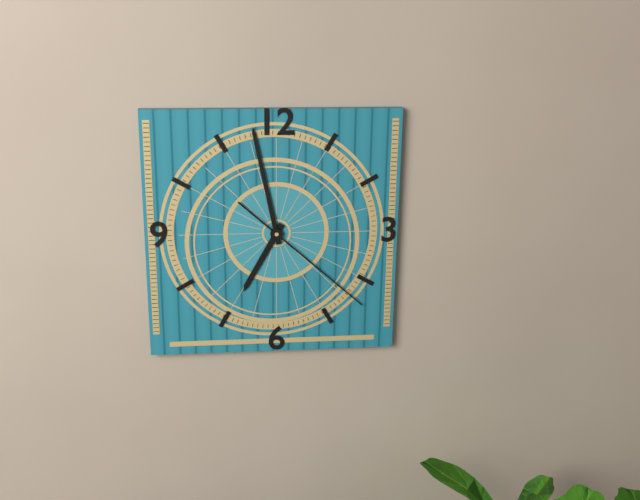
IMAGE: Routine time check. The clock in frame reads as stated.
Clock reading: 6:58:22
